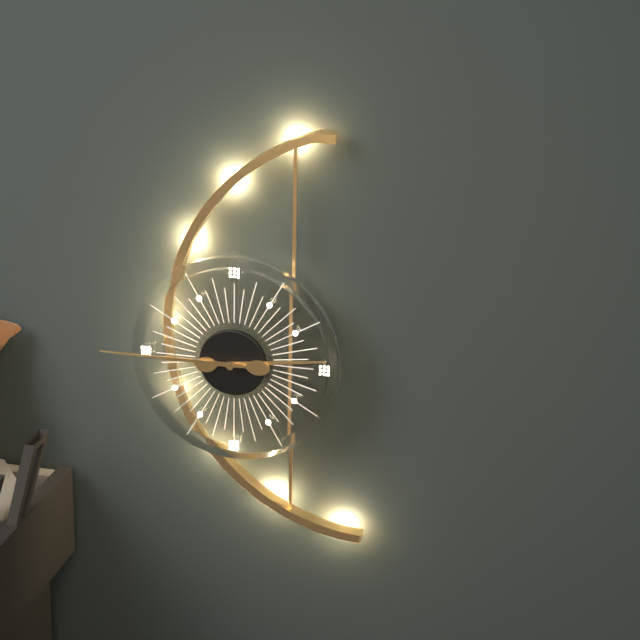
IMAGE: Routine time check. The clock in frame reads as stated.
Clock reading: 2:45
